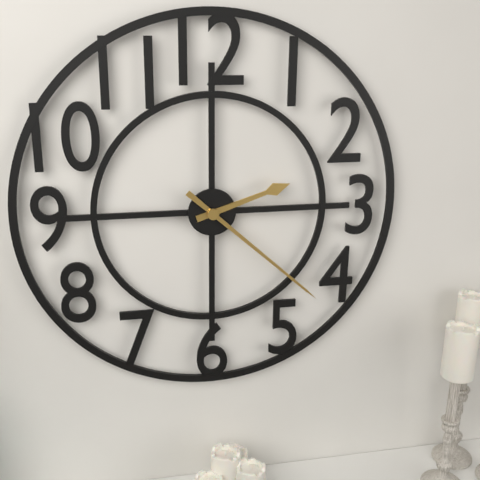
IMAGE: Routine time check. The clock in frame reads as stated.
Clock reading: 2:22
